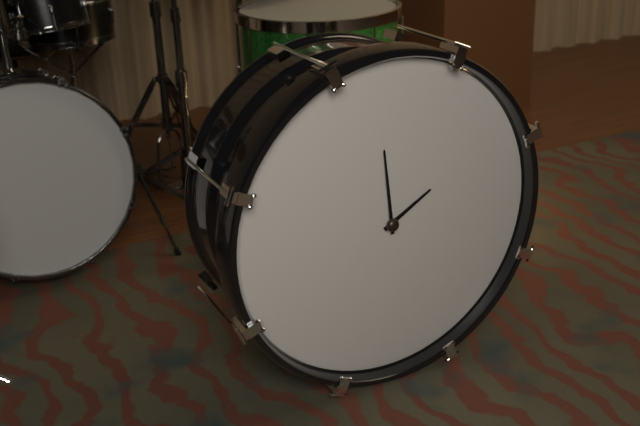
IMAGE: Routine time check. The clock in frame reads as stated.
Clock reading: 1:59
